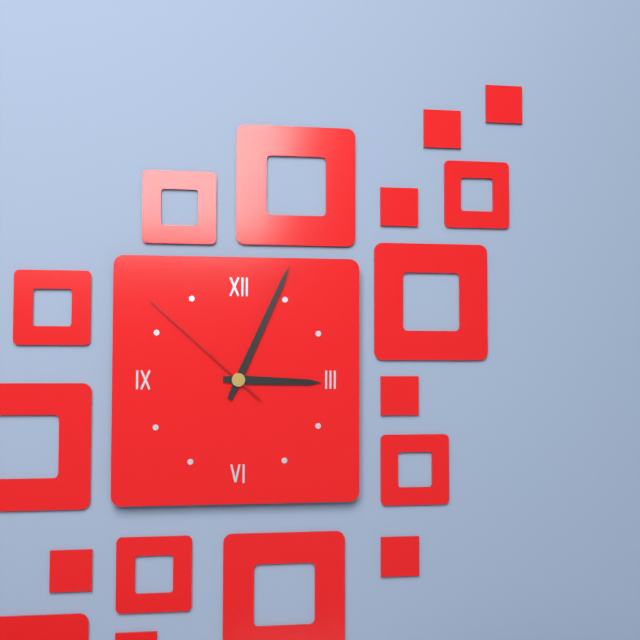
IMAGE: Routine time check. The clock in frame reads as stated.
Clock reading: 3:04:52
